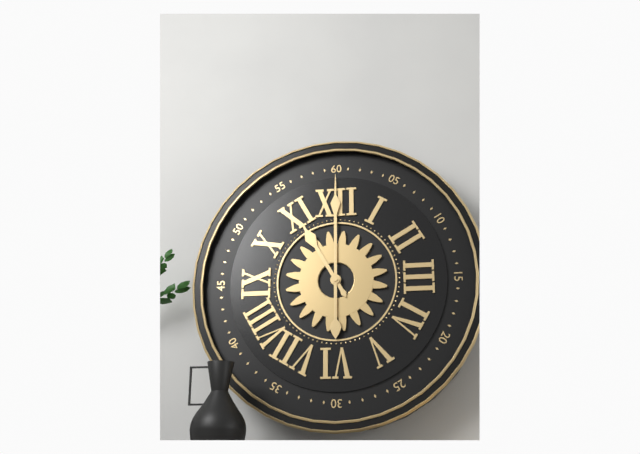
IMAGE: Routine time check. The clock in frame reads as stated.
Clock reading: 11:00
